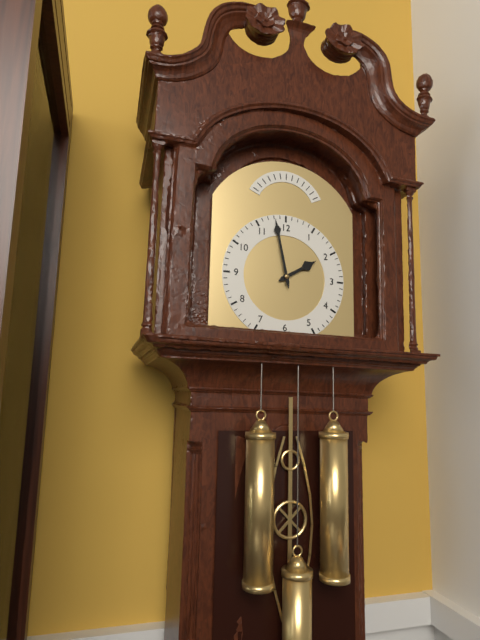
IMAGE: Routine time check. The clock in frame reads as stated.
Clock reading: 1:58
